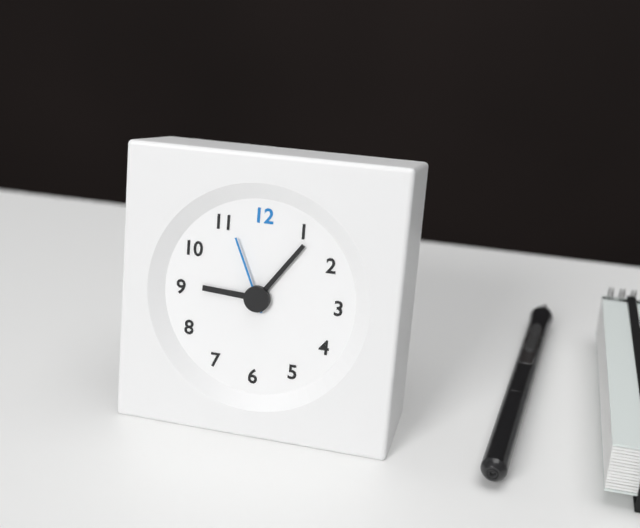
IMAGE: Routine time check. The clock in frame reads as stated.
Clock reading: 9:06:56
